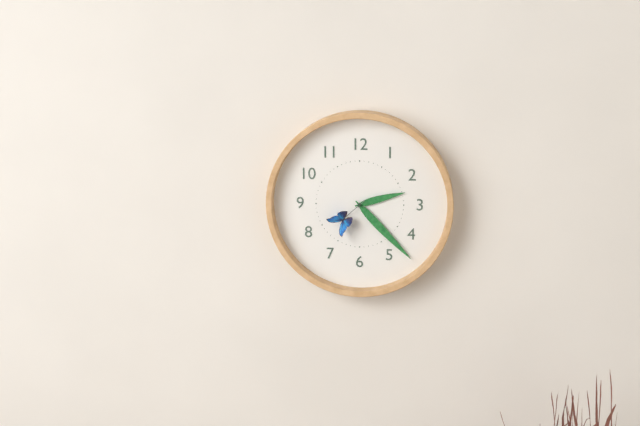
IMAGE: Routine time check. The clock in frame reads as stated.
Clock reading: 2:23
